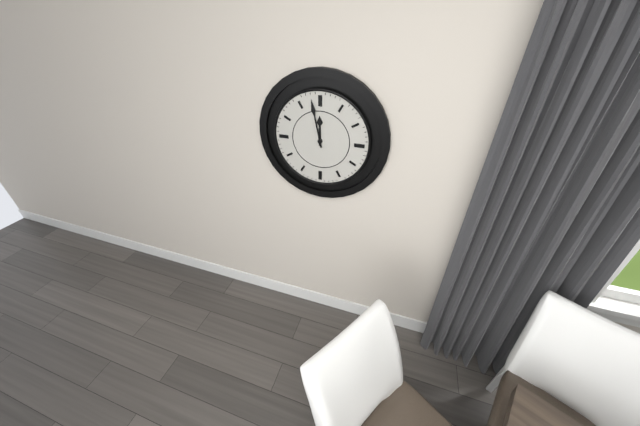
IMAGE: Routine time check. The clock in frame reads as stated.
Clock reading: 11:58
